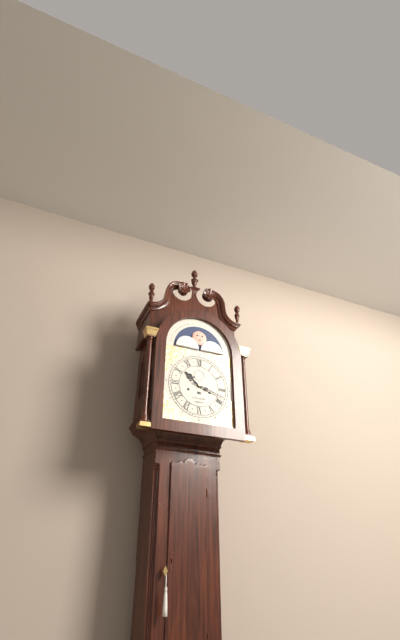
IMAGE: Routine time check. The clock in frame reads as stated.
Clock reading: 10:18
